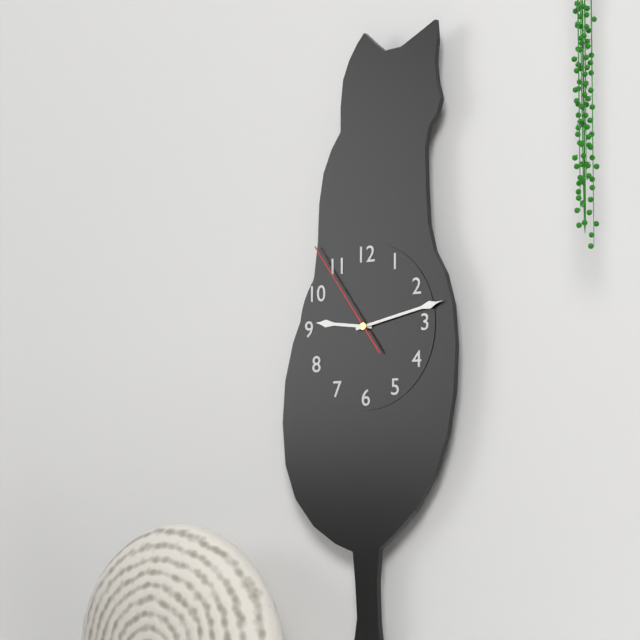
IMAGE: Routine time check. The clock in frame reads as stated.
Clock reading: 9:13:54
